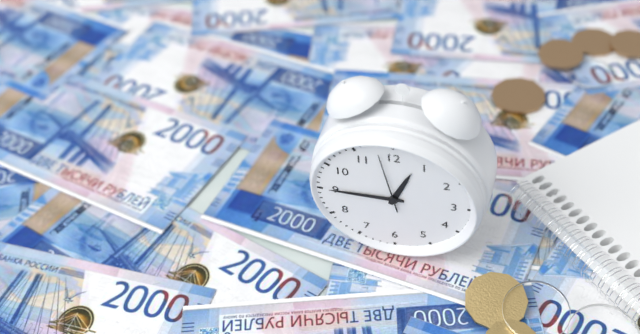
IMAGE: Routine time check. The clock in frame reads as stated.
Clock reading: 12:45:58
